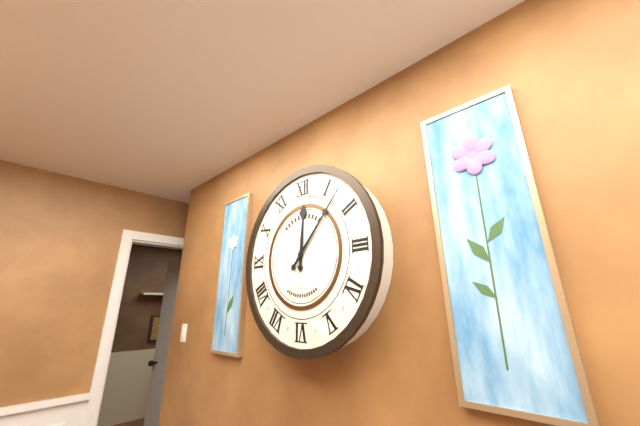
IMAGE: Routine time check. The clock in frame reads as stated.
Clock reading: 12:07
